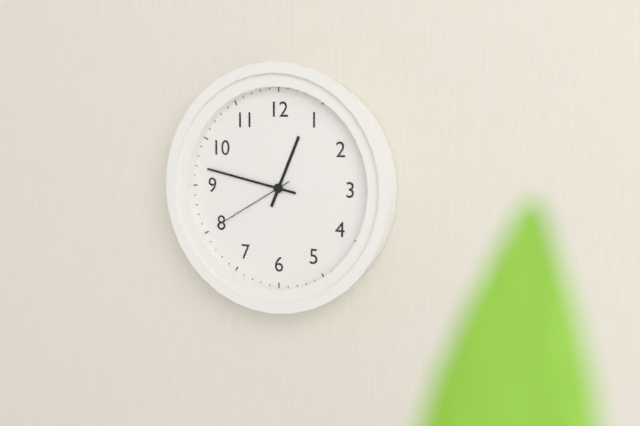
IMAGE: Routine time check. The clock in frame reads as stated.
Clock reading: 12:47:40
